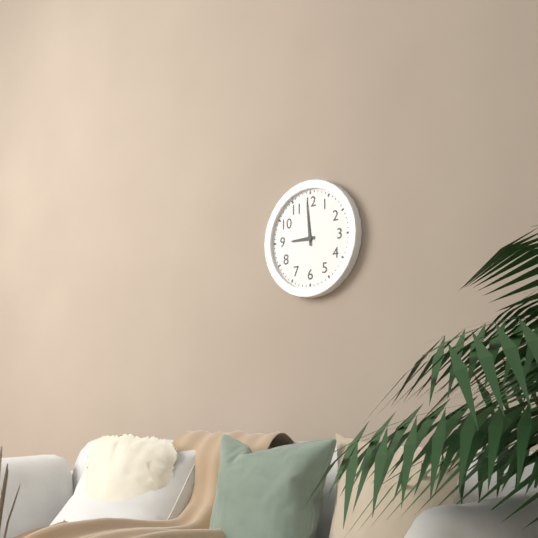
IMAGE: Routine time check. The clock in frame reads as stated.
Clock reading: 8:59
